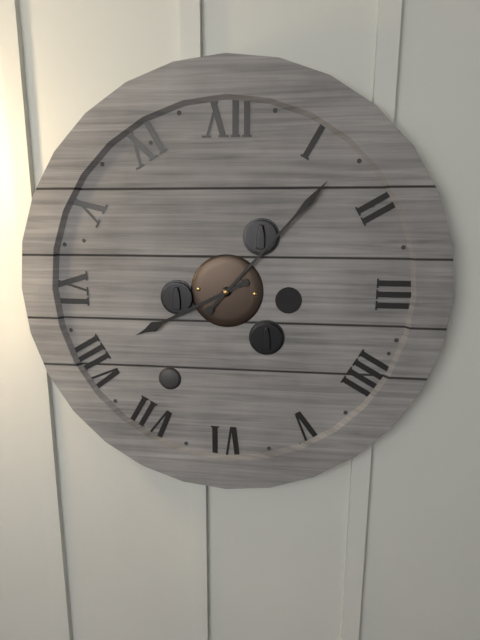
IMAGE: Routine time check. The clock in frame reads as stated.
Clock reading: 8:07
